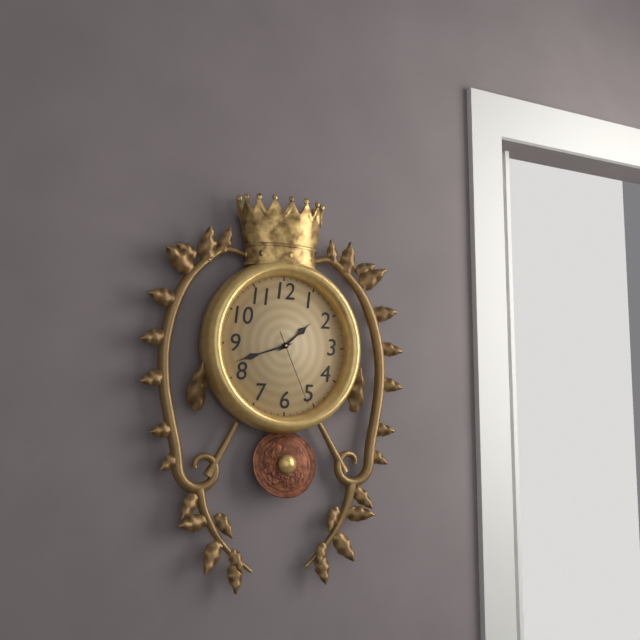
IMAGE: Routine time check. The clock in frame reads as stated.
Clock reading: 1:42:26
